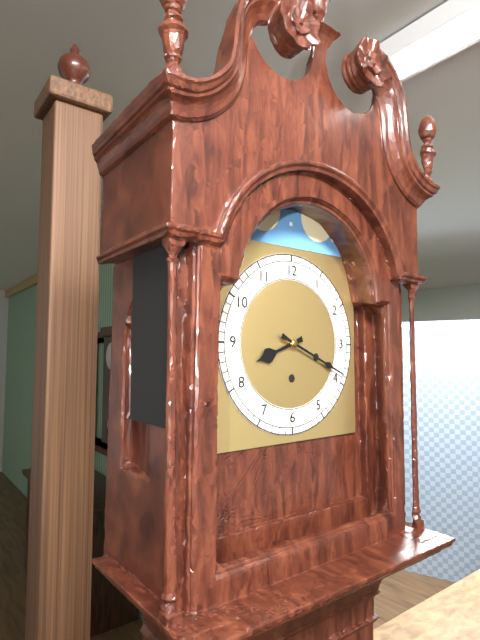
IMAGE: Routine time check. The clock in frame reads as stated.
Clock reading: 8:19
